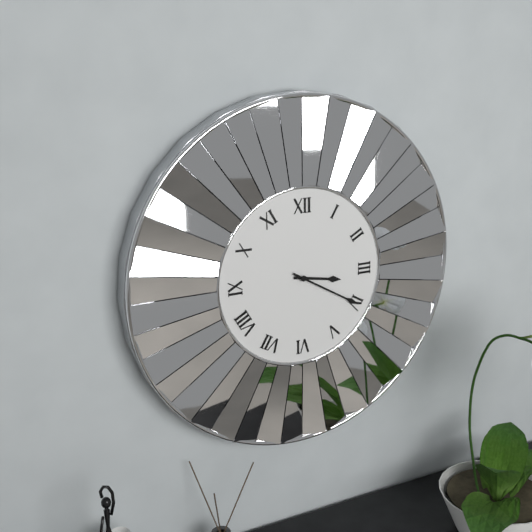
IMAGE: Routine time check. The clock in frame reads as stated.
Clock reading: 3:20
